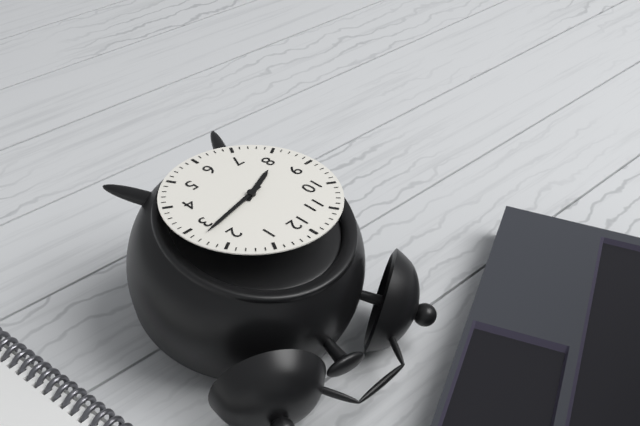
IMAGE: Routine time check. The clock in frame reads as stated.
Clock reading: 8:13
